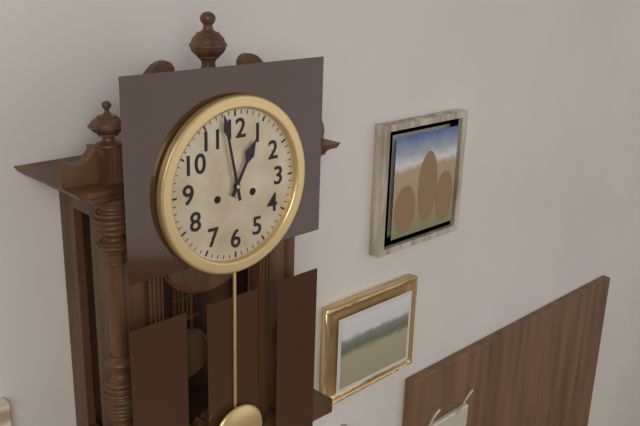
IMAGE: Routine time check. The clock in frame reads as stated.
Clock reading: 12:58
